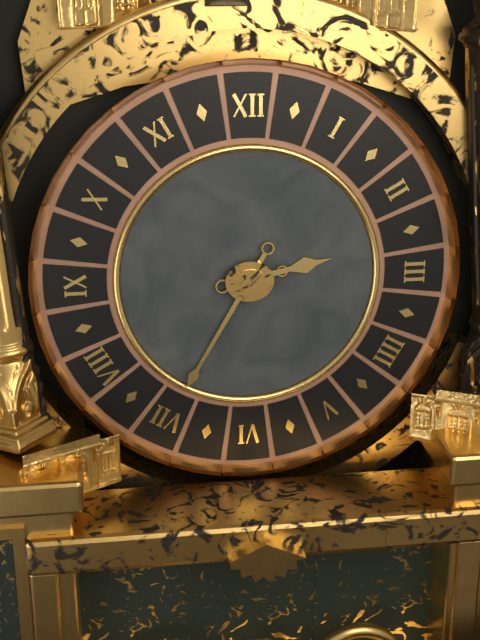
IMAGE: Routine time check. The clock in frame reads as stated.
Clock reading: 2:35
